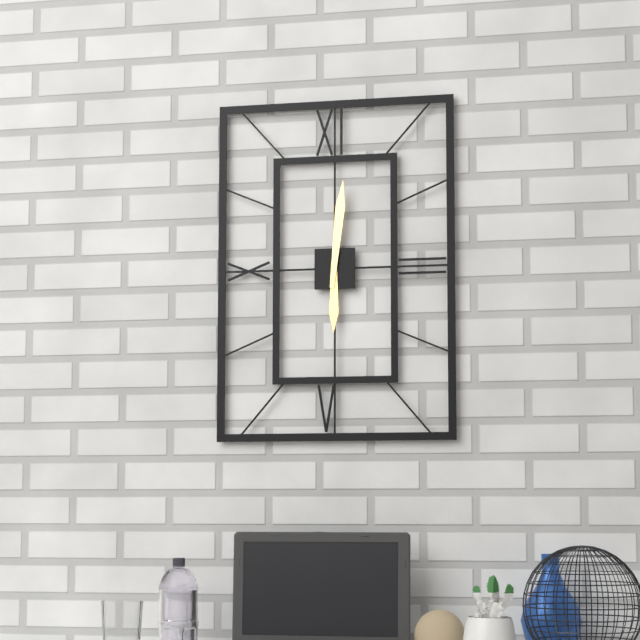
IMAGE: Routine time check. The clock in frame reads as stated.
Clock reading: 6:01
